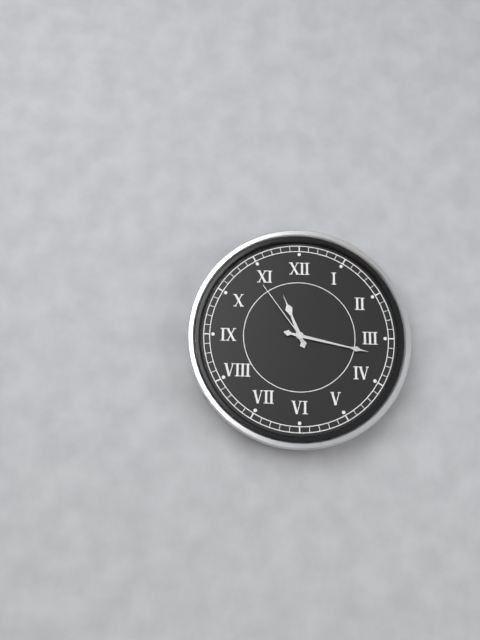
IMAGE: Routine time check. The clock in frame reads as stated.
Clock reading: 11:17:54
